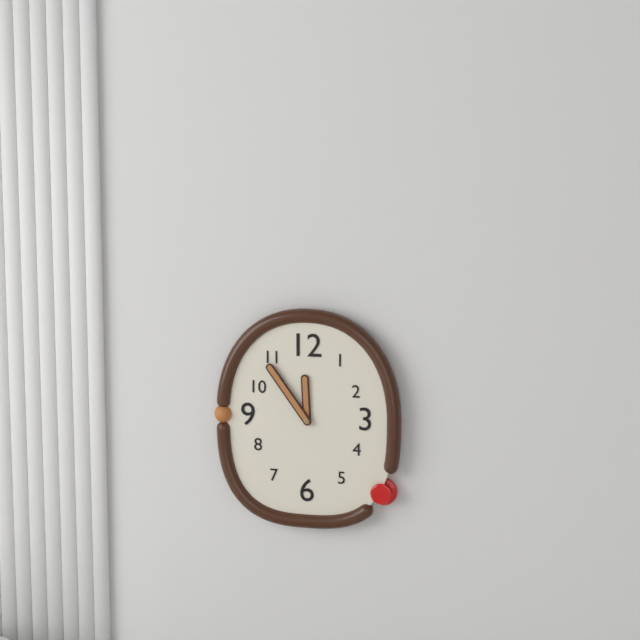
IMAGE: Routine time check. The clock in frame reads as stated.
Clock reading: 11:54
